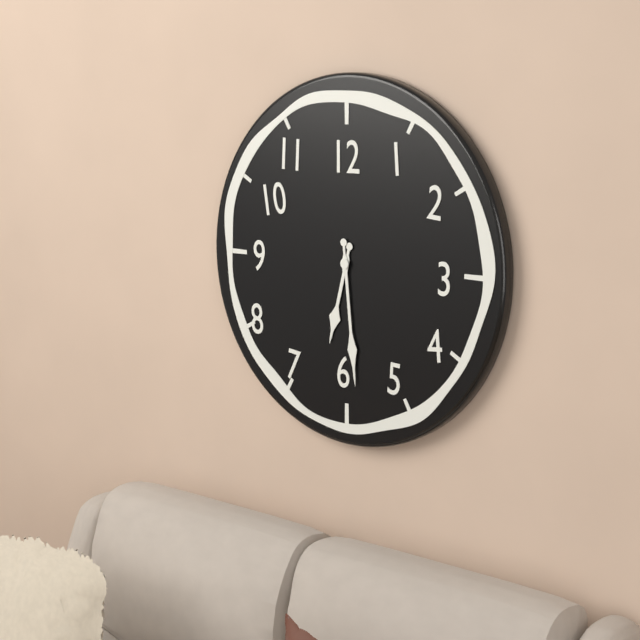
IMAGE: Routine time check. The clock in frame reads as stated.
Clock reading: 6:29
